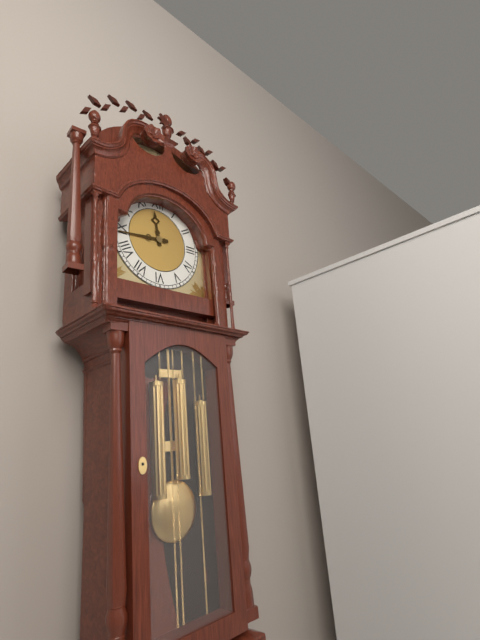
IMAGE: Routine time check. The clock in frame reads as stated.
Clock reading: 11:44
